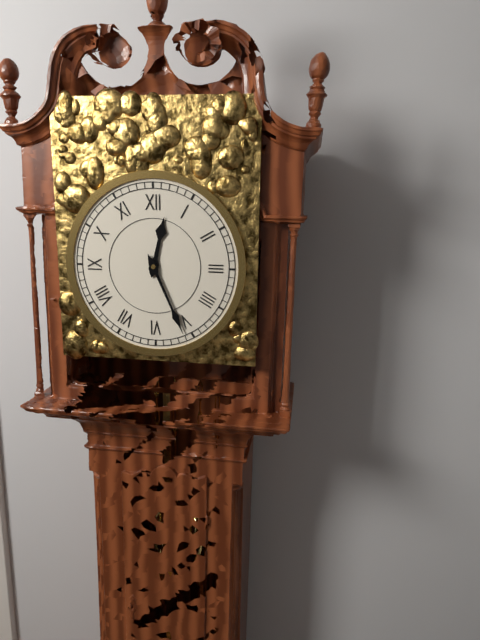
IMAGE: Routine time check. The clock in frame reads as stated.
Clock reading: 12:26
